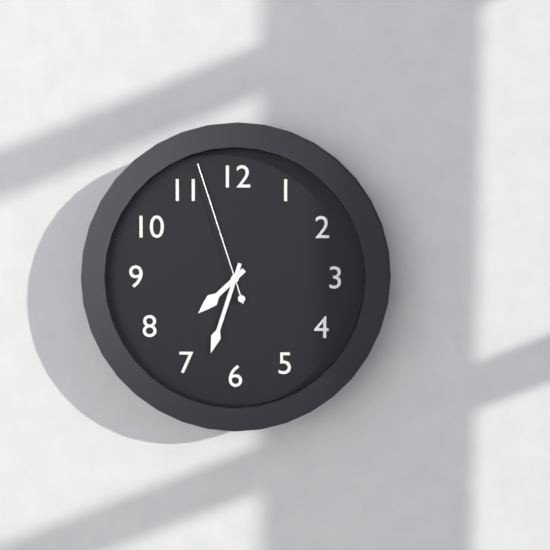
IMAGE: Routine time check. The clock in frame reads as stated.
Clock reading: 7:33:57
